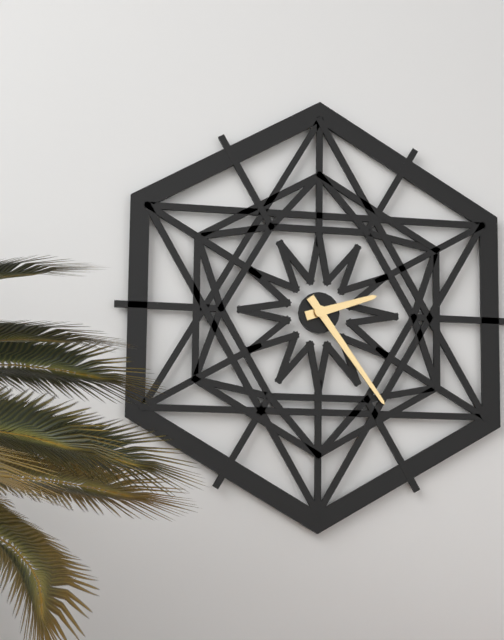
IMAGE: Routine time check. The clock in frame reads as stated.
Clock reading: 2:24
